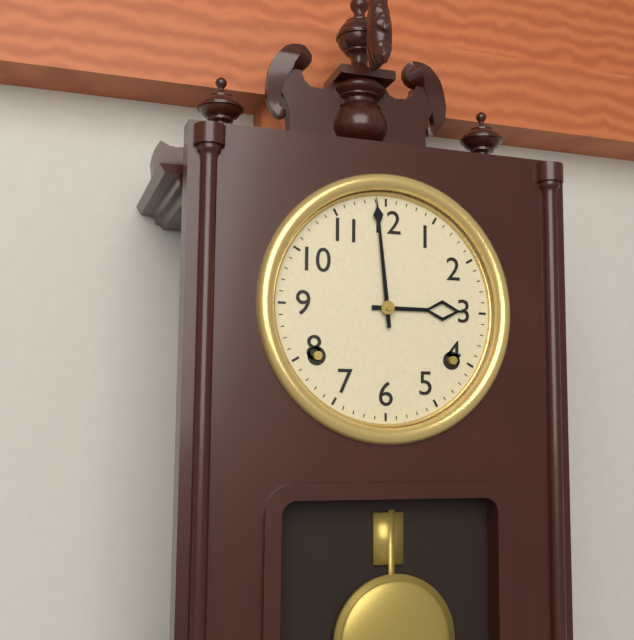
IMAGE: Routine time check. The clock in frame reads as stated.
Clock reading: 2:59
